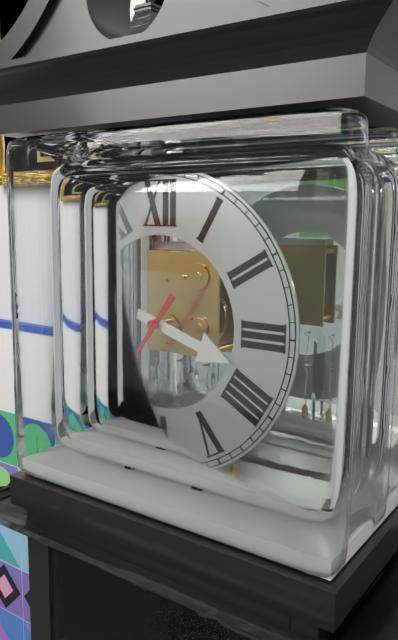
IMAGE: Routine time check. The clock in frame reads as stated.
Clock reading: 3:36
